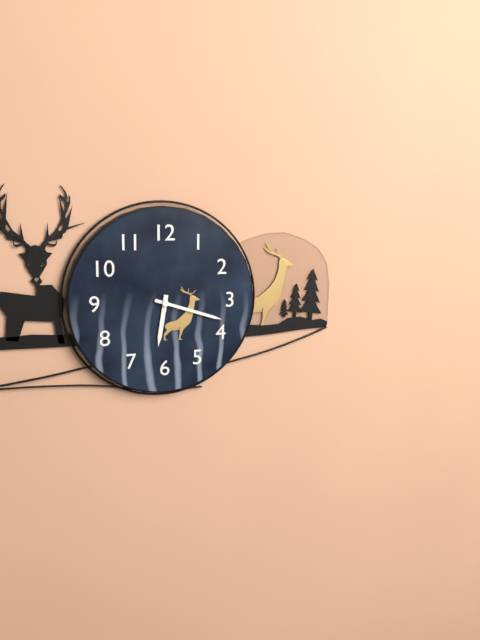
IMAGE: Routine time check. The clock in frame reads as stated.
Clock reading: 6:18
